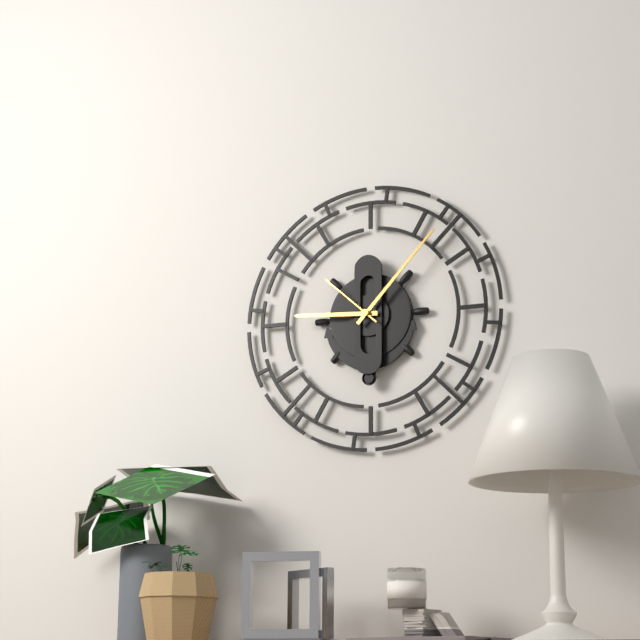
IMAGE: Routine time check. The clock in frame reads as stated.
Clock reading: 9:07:52
